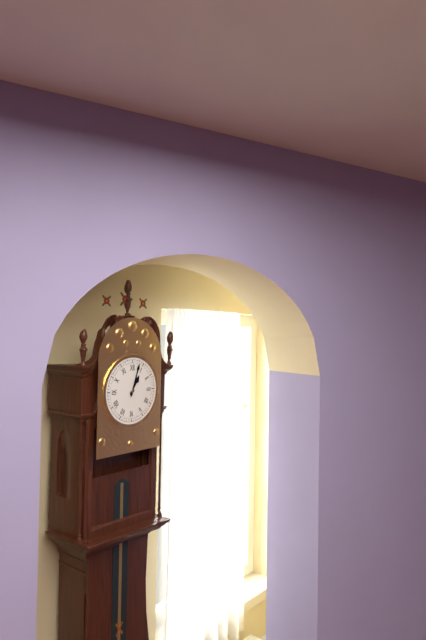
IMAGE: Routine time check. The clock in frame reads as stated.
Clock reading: 1:03
